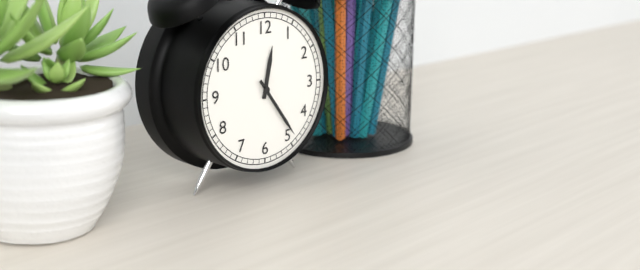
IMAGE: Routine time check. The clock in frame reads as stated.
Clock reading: 12:24
